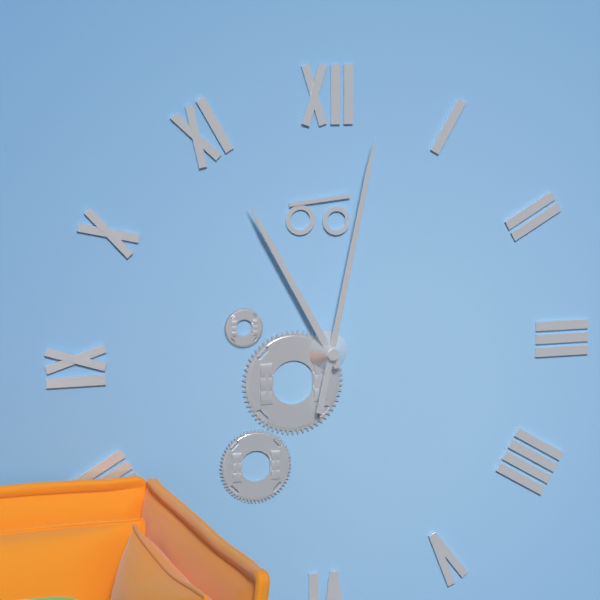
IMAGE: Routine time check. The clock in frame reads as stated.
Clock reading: 11:02
